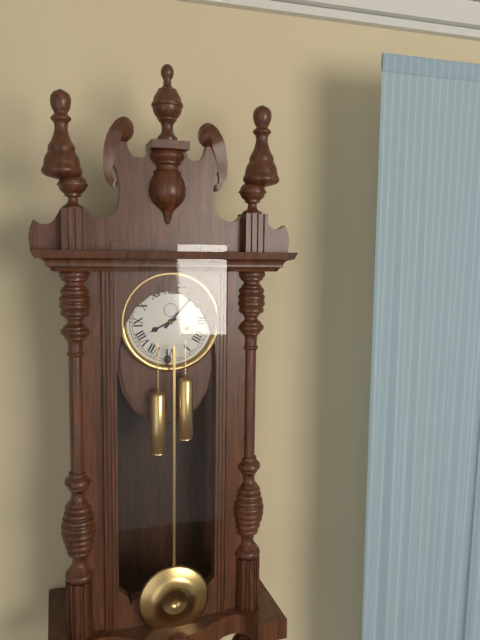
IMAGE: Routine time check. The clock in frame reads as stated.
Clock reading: 8:07
